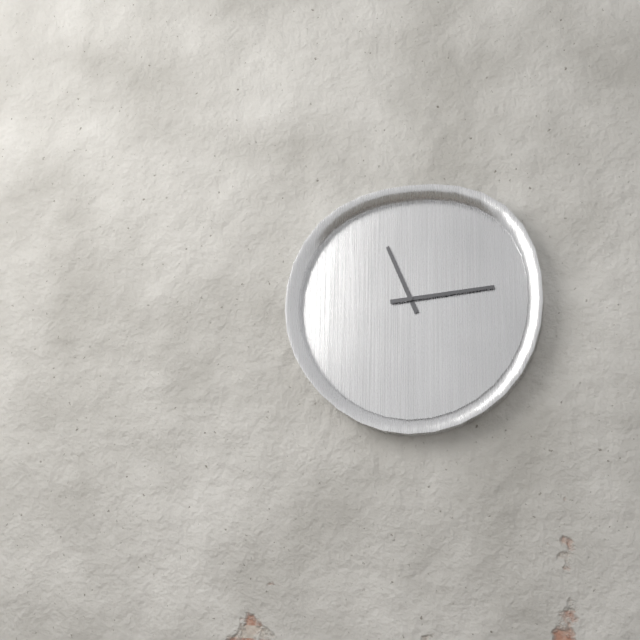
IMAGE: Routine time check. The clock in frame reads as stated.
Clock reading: 11:14
